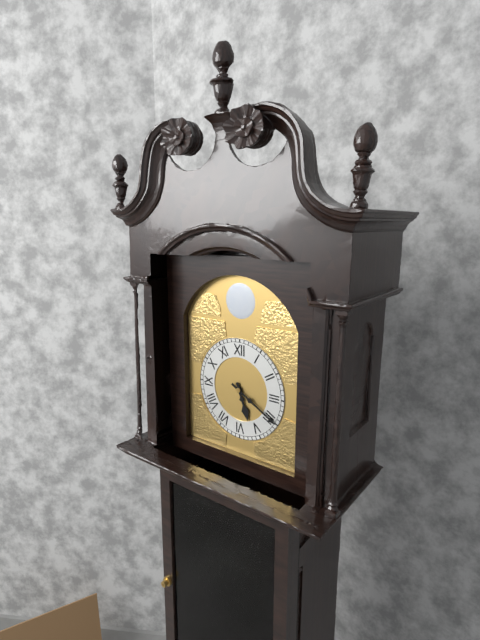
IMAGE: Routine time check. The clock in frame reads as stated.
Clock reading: 5:20
